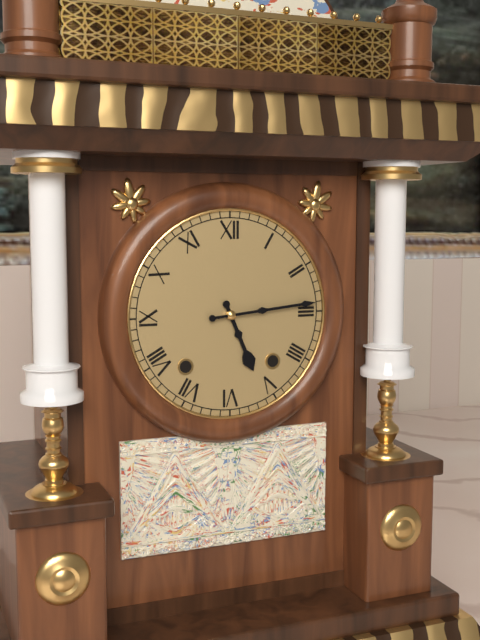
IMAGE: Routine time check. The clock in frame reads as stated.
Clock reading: 5:14
